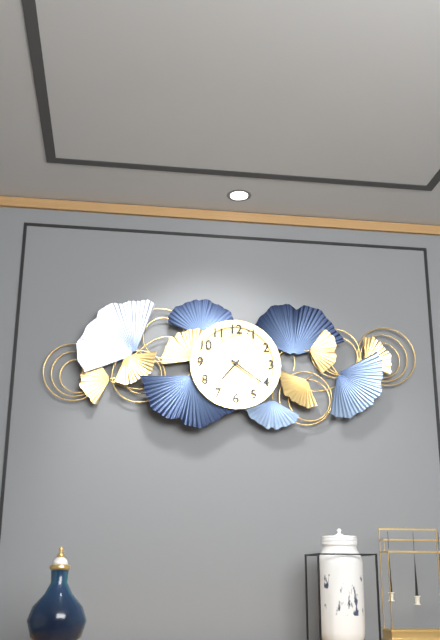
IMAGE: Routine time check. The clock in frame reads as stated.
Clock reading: 7:21
